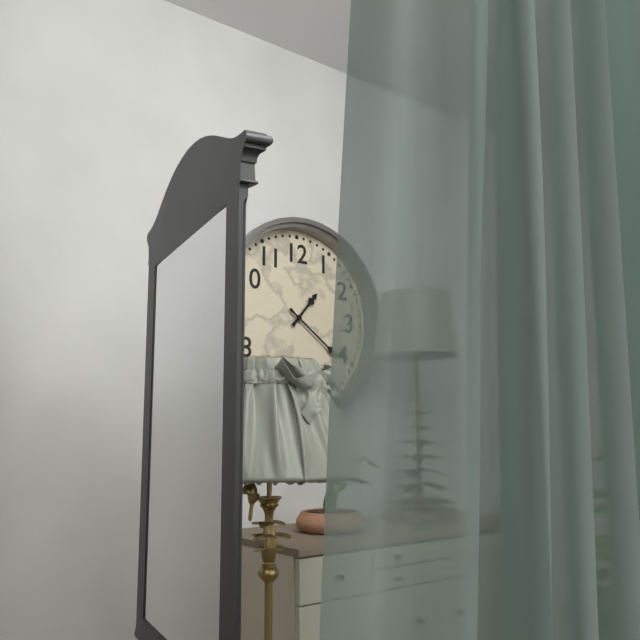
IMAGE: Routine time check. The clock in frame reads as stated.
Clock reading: 1:21
